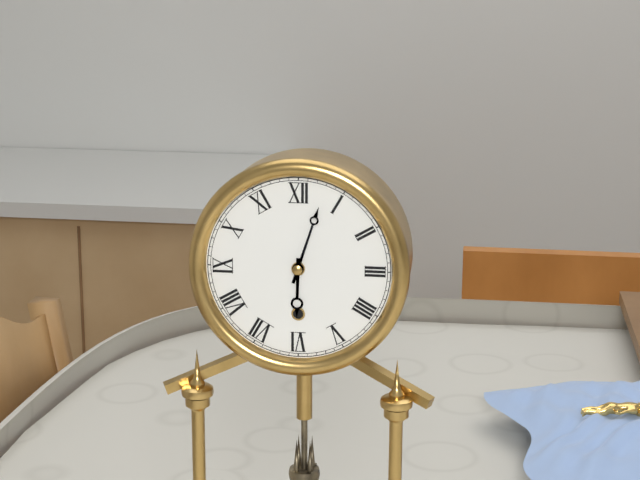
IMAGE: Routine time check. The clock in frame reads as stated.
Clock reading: 6:03
